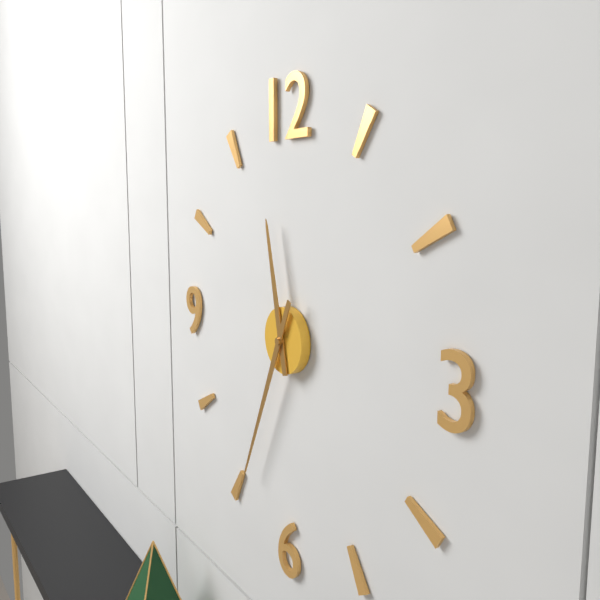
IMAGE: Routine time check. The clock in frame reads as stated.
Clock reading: 11:34
